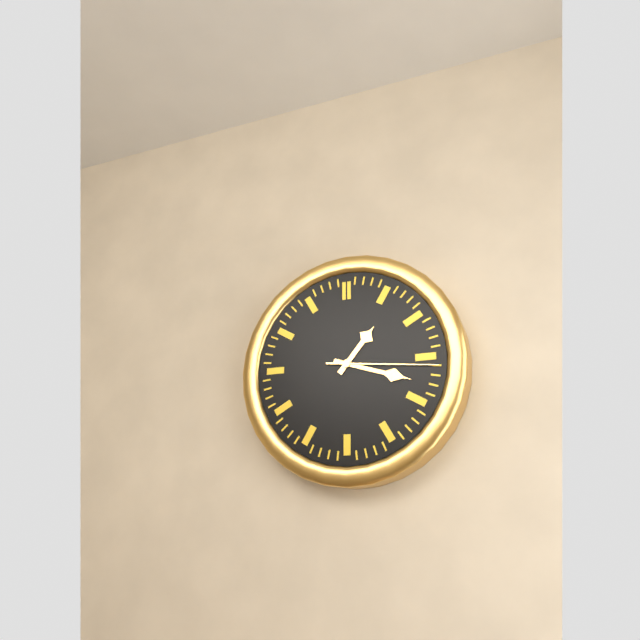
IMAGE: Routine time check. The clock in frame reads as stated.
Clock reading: 1:18:16
